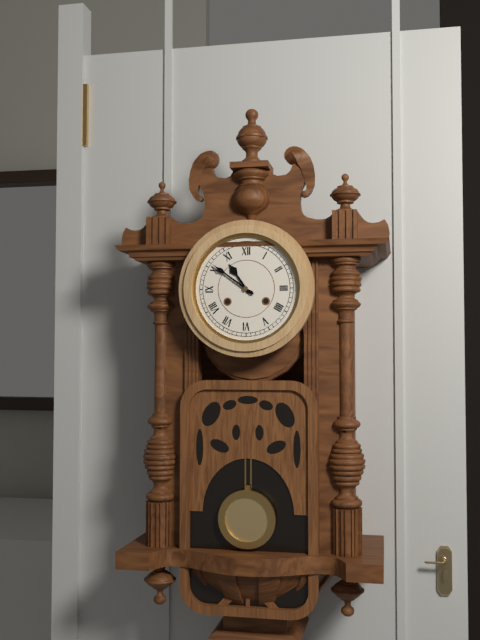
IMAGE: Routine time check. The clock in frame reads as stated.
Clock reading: 10:51
